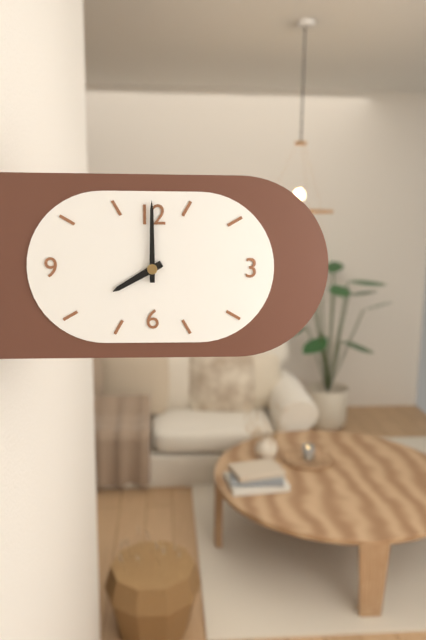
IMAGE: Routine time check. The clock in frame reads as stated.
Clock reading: 8:00
